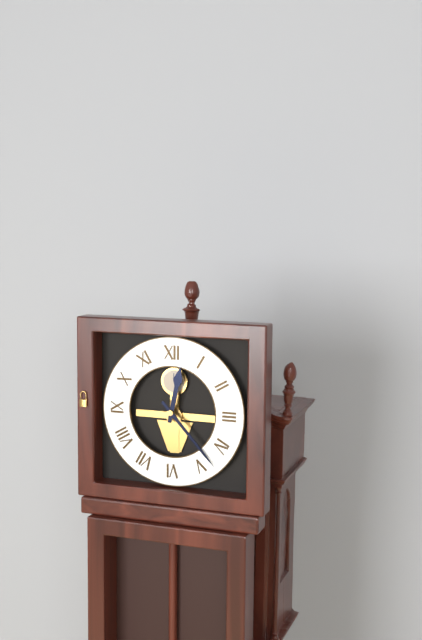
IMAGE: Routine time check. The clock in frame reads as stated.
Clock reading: 12:23
